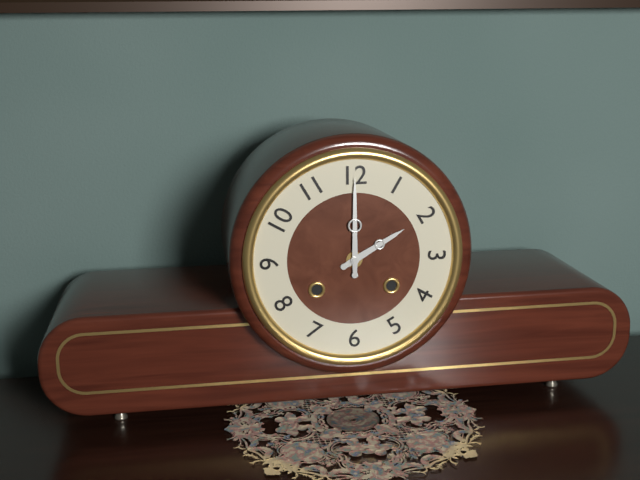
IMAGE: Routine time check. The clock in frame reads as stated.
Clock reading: 2:00
